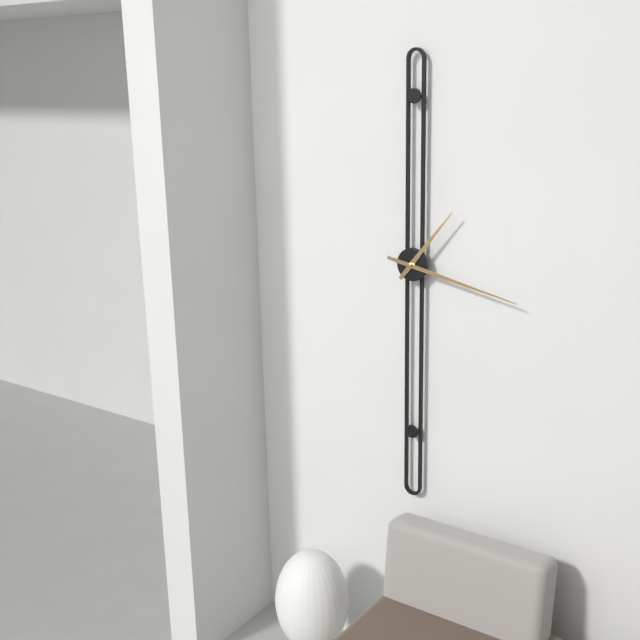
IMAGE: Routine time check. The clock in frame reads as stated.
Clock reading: 1:17
